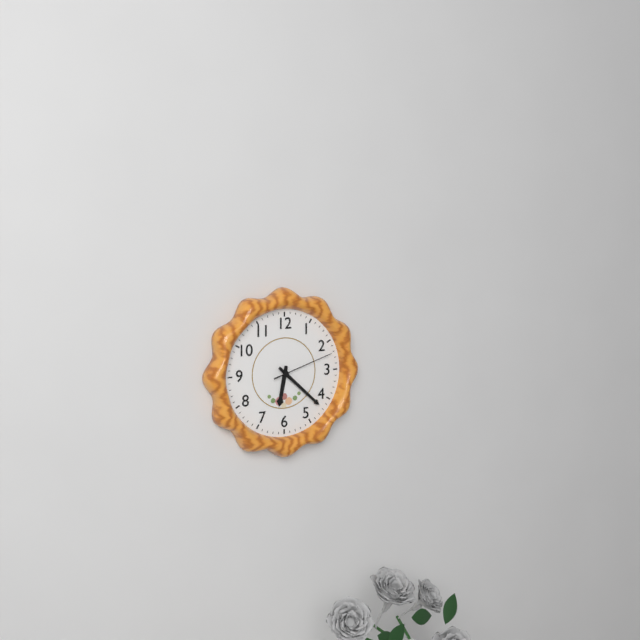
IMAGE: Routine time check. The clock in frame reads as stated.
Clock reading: 6:22:12
